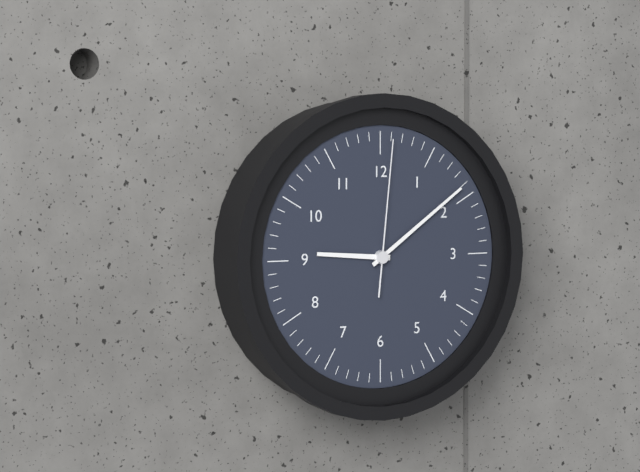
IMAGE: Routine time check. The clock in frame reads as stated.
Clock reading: 9:09:01
